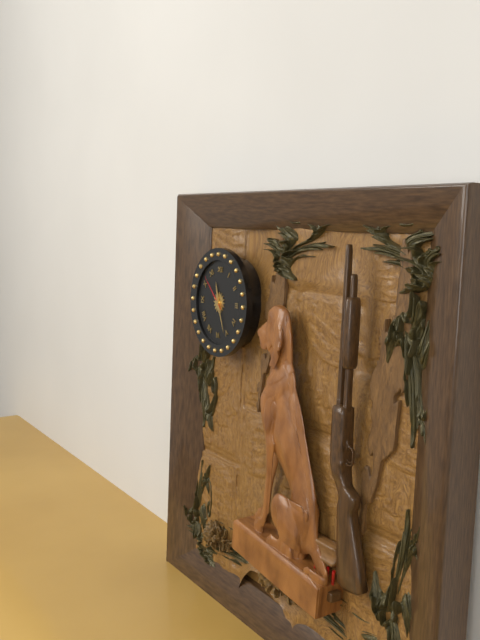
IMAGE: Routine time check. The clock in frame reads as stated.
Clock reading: 11:26
